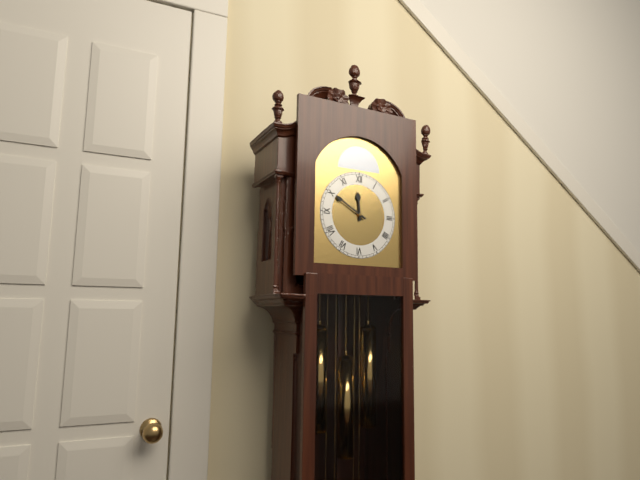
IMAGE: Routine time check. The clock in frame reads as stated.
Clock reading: 11:50
